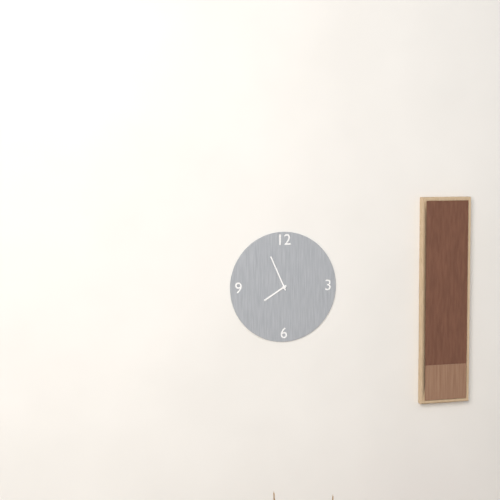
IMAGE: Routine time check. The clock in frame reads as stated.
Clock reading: 7:56
